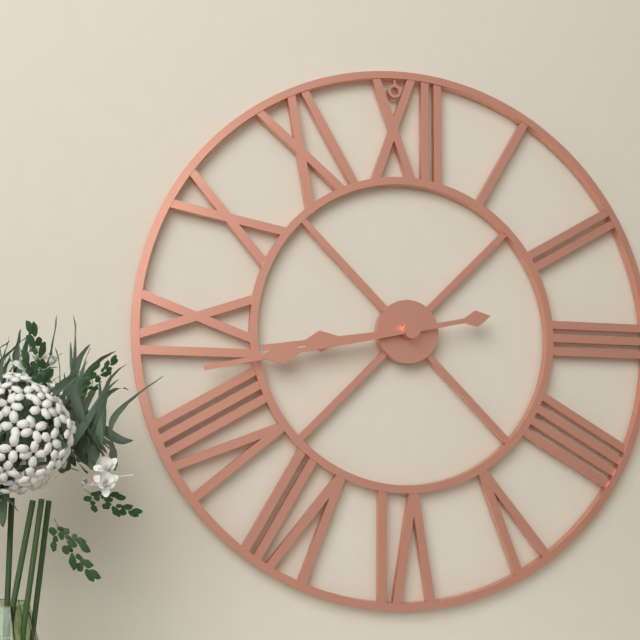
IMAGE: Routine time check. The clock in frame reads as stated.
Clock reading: 8:43
